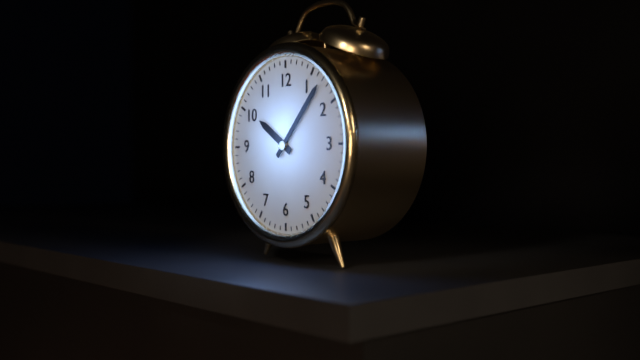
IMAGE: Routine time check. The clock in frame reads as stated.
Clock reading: 10:07
